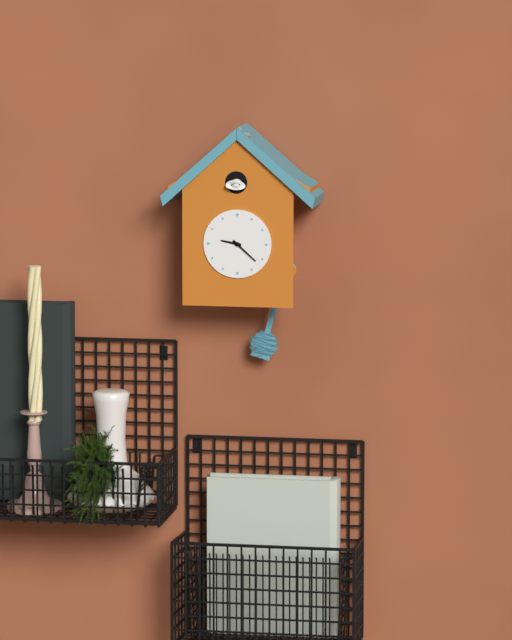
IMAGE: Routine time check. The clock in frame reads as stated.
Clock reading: 9:22
